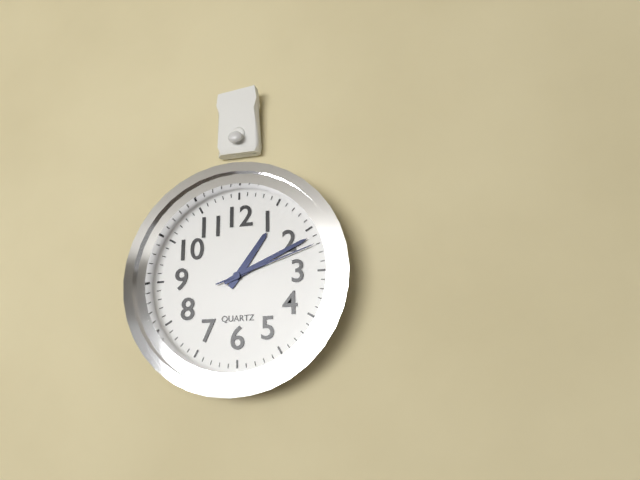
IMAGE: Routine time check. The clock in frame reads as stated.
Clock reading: 1:11:12
